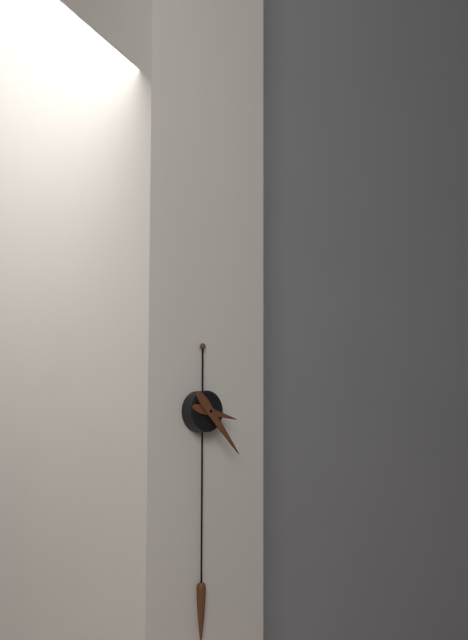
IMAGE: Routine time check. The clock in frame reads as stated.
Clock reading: 3:23
